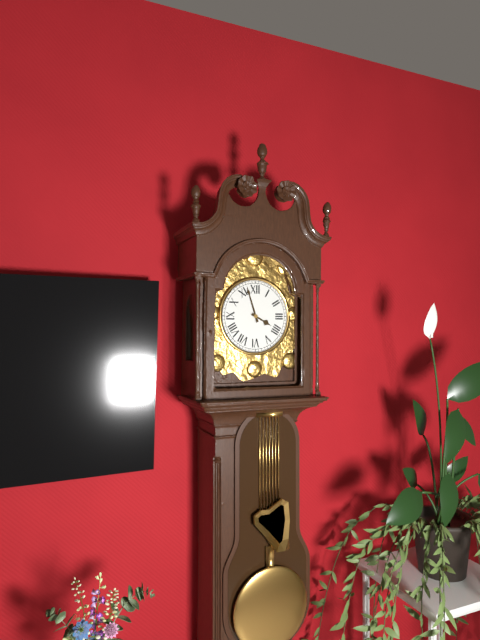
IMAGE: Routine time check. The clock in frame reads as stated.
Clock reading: 3:57
